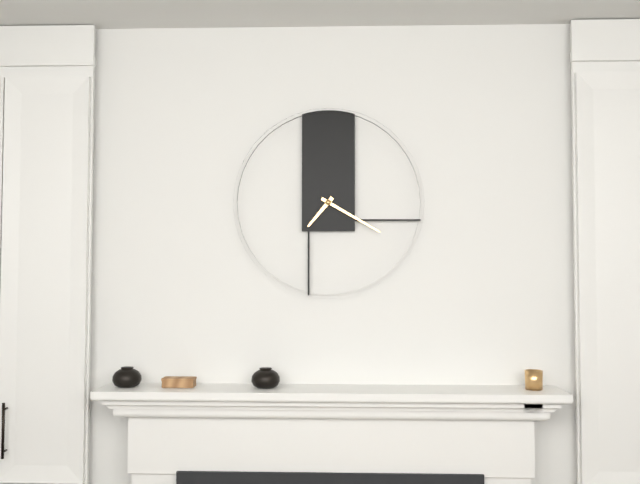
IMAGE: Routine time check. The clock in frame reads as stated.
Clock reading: 7:20
